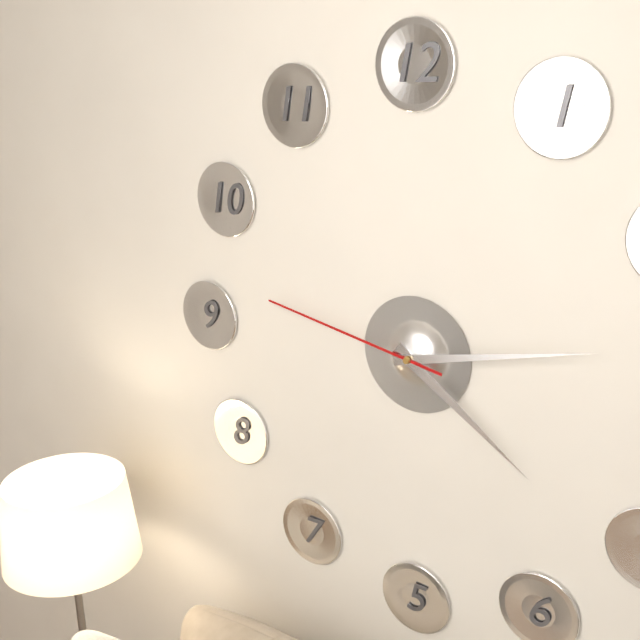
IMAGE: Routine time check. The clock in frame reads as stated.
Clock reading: 4:13:47
